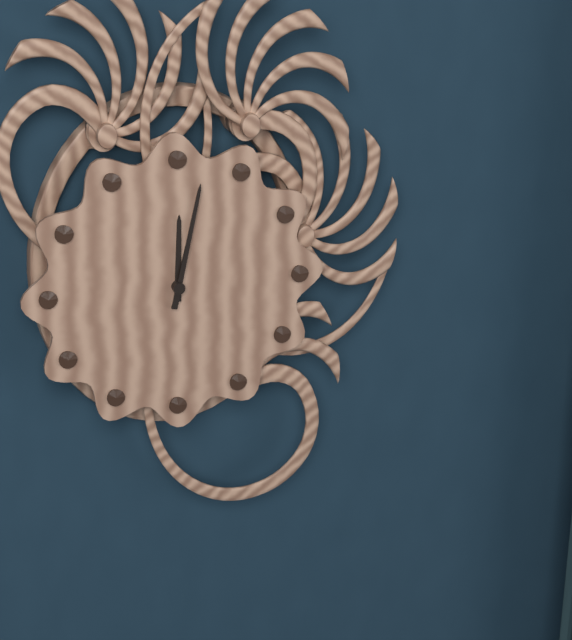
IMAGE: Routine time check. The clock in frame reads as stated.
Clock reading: 12:02
